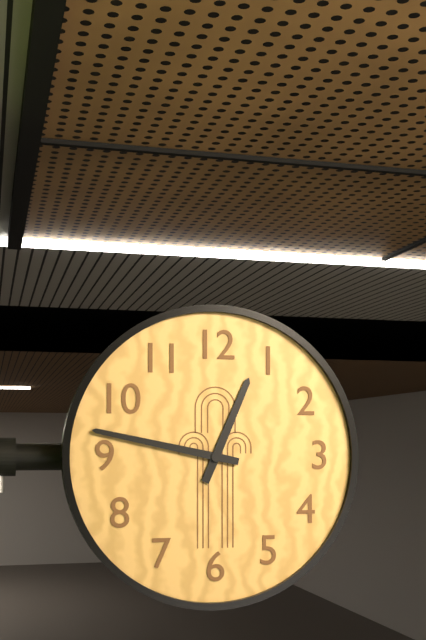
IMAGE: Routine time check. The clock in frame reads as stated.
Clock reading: 12:47
